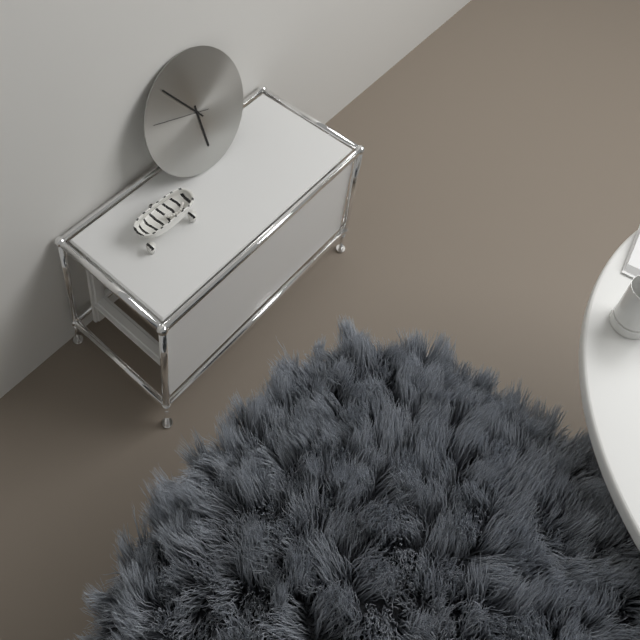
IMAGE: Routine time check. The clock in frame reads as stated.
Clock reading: 5:54:48
